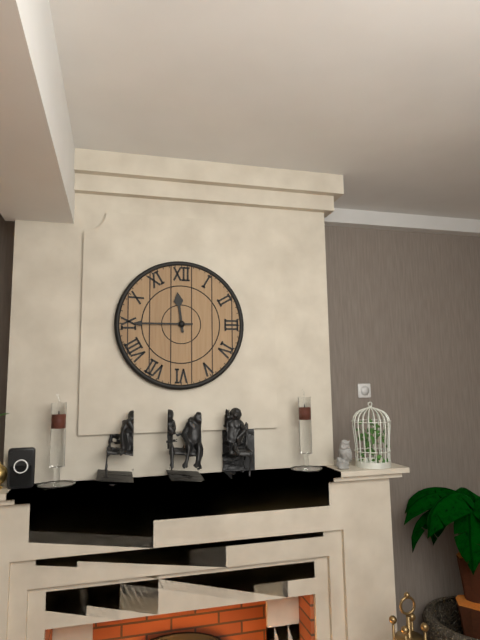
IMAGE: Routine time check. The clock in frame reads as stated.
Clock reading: 11:45
